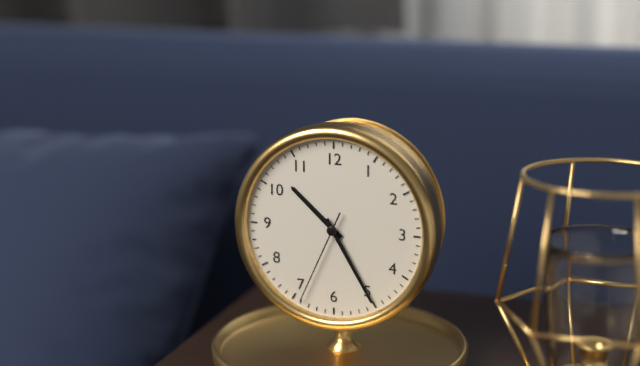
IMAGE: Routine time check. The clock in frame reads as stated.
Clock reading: 10:25:34
